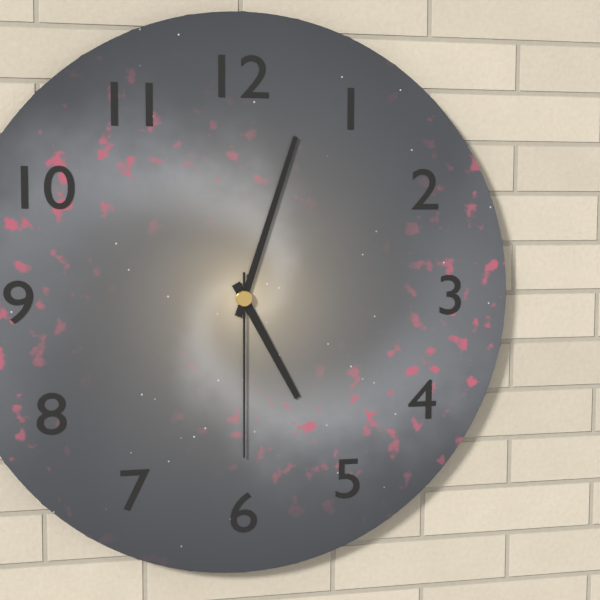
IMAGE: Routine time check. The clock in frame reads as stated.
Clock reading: 5:03:30
